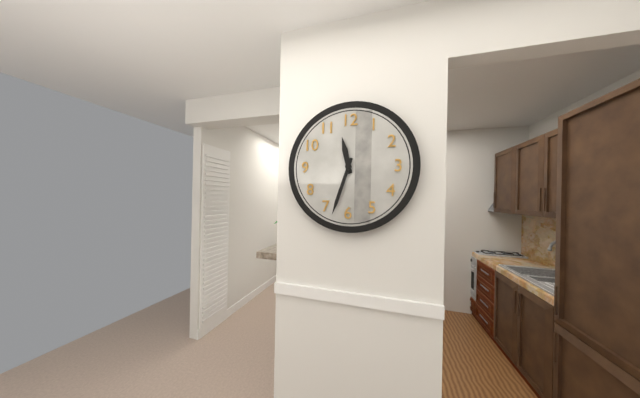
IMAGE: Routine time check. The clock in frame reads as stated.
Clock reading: 11:33
